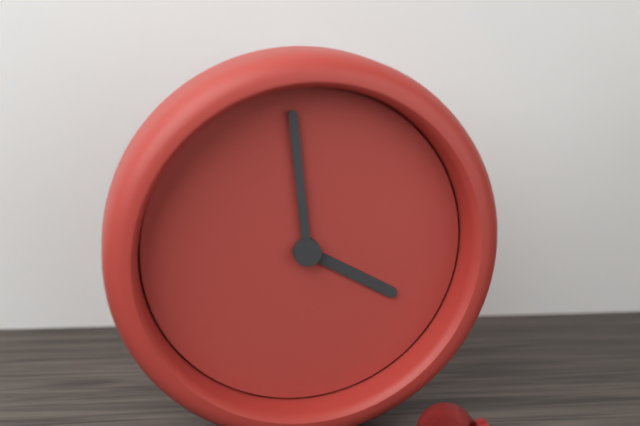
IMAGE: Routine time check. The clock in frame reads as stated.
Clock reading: 3:59
